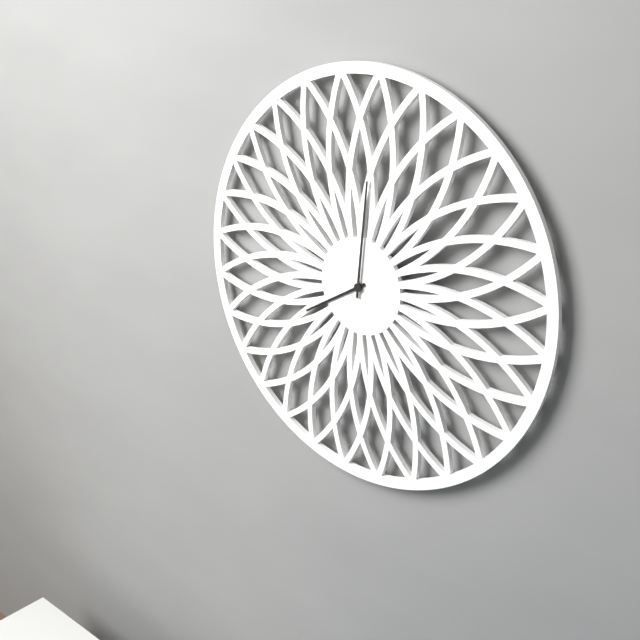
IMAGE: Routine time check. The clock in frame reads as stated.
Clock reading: 8:01
